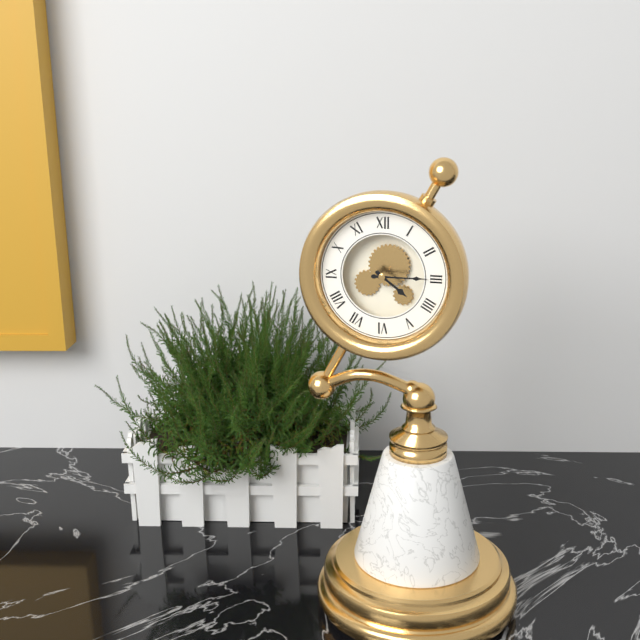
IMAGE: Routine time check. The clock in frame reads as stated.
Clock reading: 4:15
